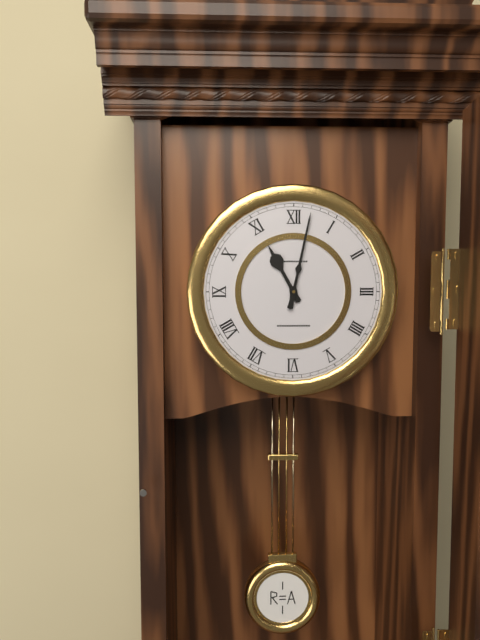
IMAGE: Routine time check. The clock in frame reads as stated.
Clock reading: 11:02
